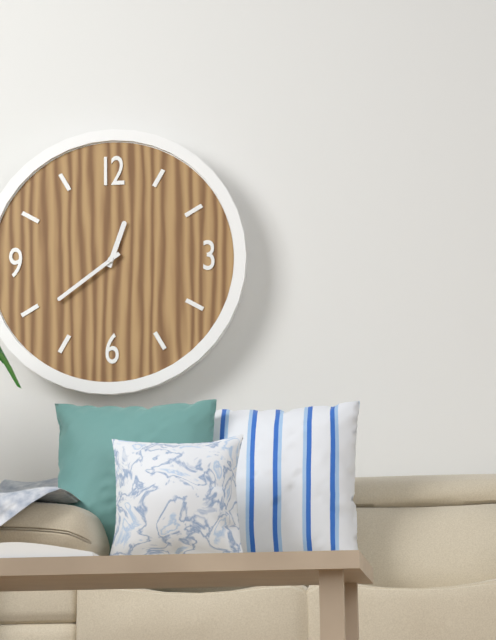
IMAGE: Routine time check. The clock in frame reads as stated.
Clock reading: 12:39
